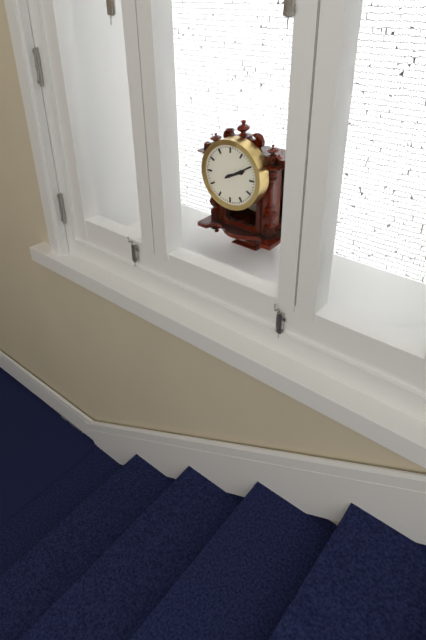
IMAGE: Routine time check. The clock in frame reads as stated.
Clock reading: 2:10
